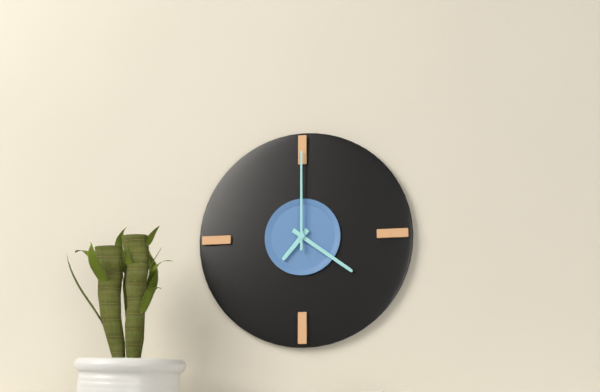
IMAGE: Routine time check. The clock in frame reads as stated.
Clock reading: 7:21:00
